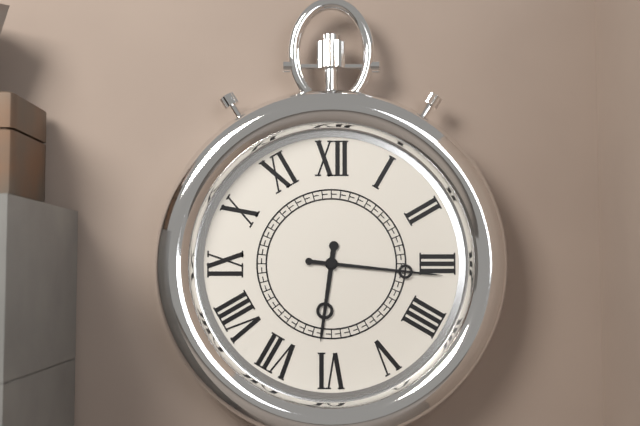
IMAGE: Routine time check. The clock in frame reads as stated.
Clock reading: 6:16
